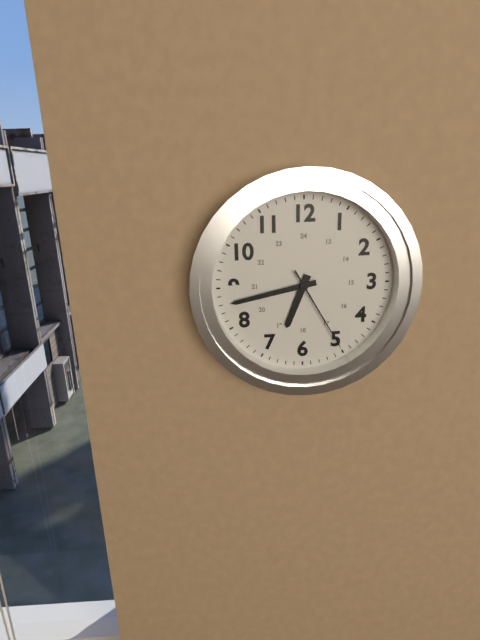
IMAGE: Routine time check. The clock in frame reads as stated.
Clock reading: 6:43:25
